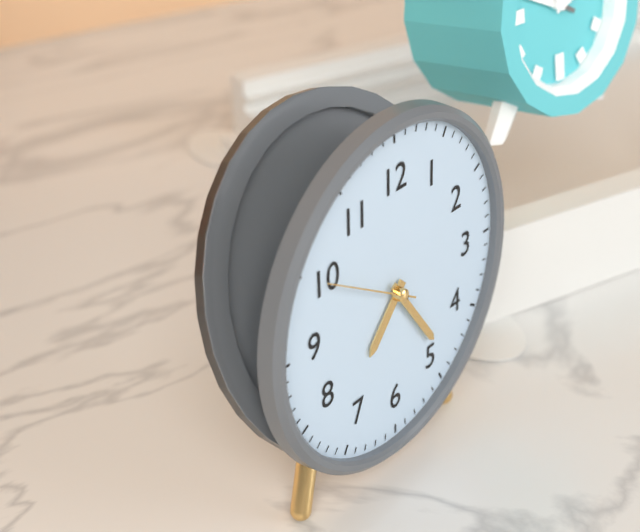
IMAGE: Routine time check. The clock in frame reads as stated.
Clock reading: 7:24:50
